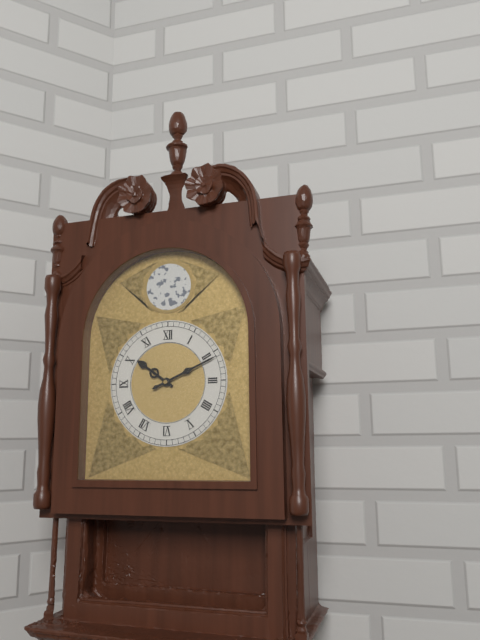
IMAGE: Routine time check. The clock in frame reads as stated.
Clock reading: 10:11
